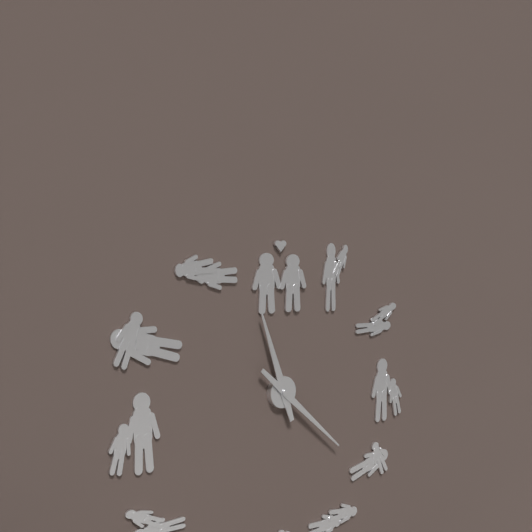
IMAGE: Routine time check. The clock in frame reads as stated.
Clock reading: 11:22
